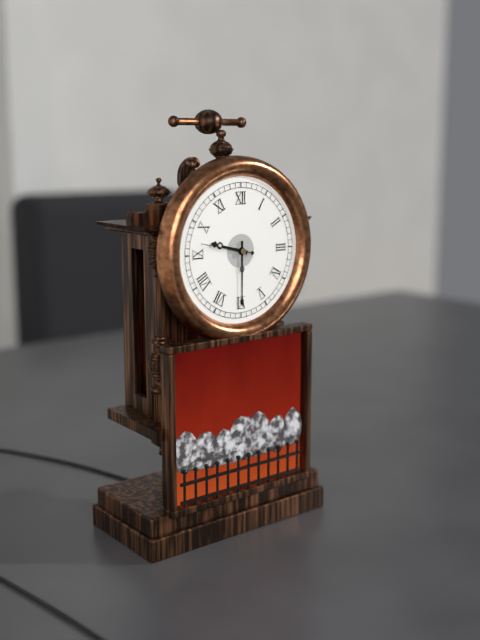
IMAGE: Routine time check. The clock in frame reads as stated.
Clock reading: 9:30:47
